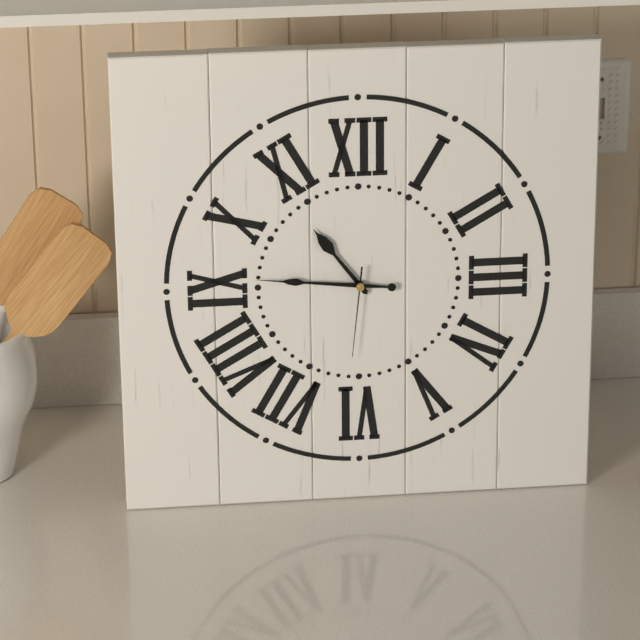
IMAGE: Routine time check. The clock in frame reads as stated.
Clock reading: 10:46:31
